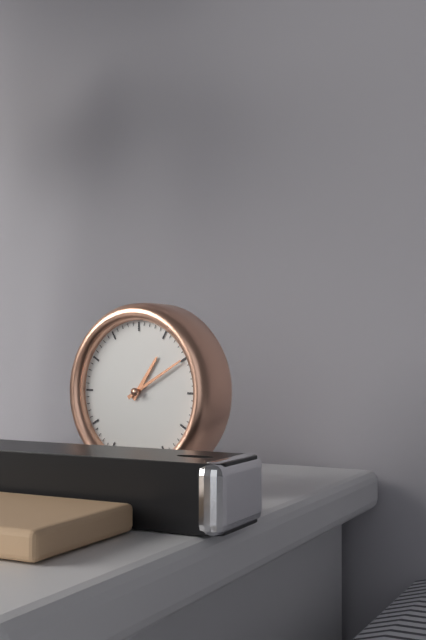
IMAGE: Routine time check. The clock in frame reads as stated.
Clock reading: 1:10
